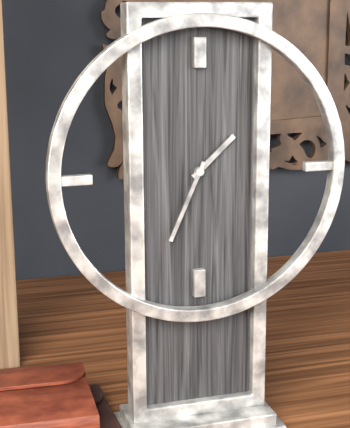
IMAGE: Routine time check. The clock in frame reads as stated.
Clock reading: 1:34
